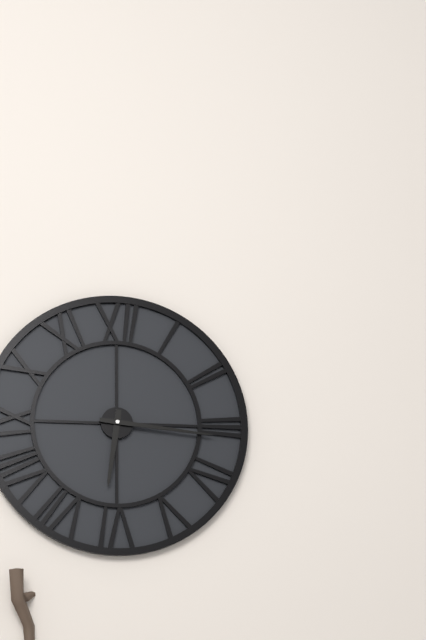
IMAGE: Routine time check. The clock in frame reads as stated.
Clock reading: 6:16
